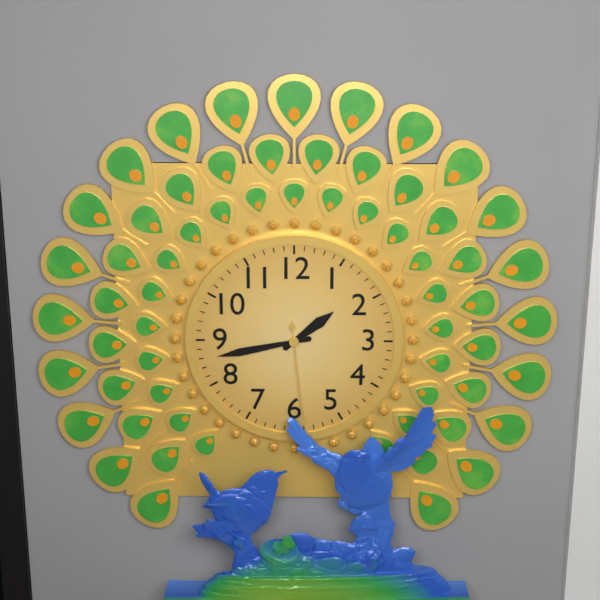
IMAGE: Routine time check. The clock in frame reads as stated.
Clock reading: 1:43:29
